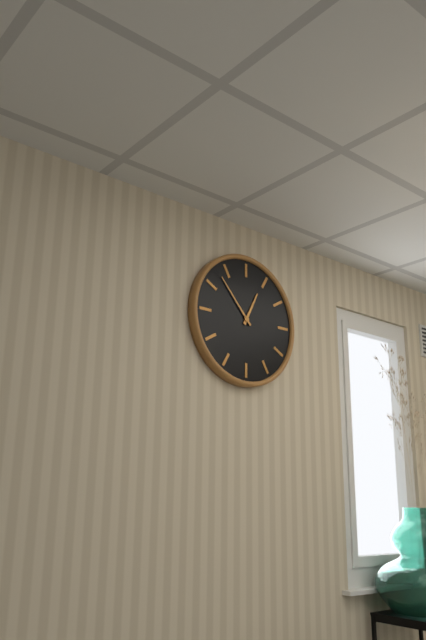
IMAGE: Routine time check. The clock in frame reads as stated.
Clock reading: 12:53
